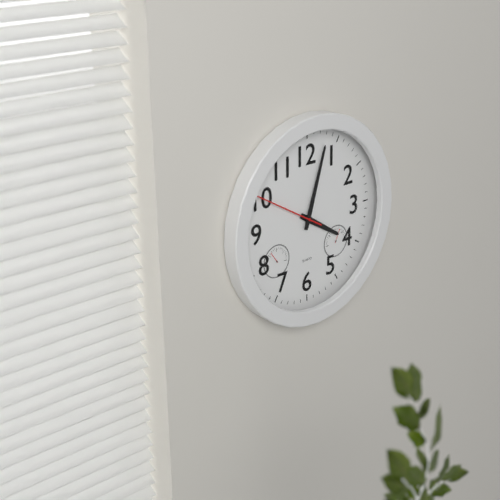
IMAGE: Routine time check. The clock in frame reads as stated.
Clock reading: 4:03:50
